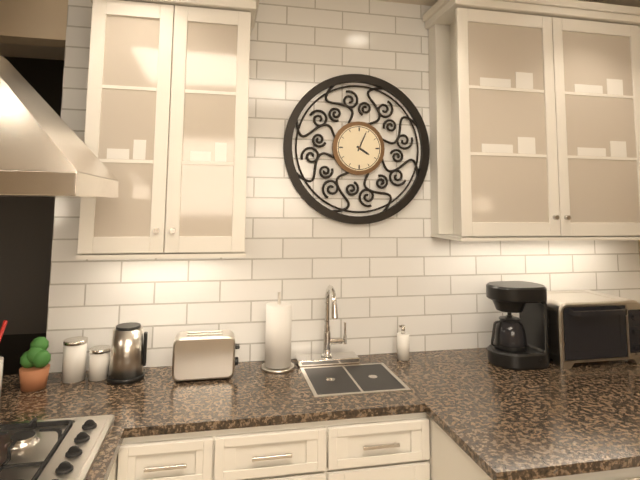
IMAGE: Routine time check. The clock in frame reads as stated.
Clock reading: 4:04
